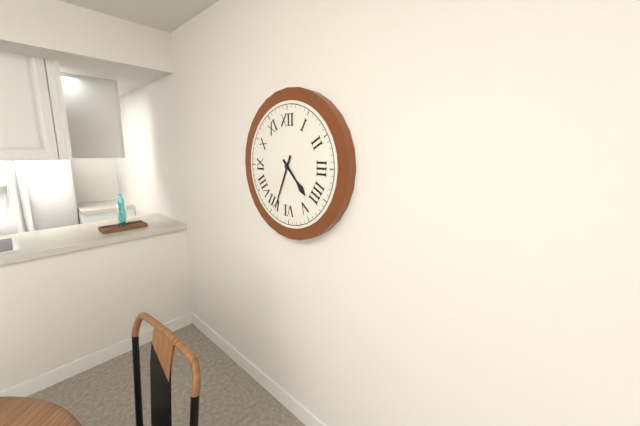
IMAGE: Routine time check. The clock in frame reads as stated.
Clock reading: 4:34
